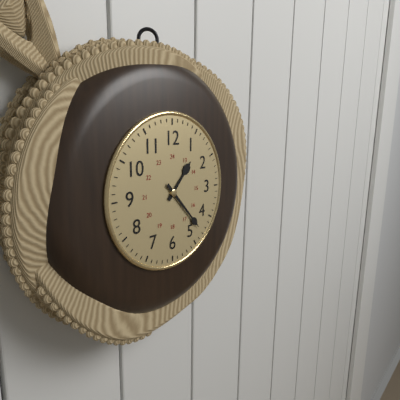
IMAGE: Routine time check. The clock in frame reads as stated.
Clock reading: 1:23
